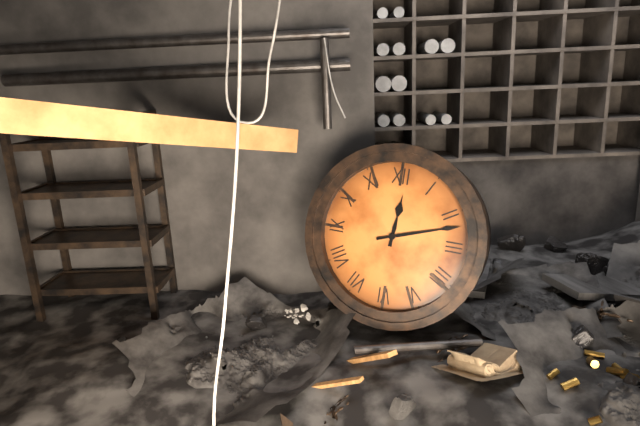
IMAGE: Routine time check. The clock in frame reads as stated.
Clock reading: 12:12
